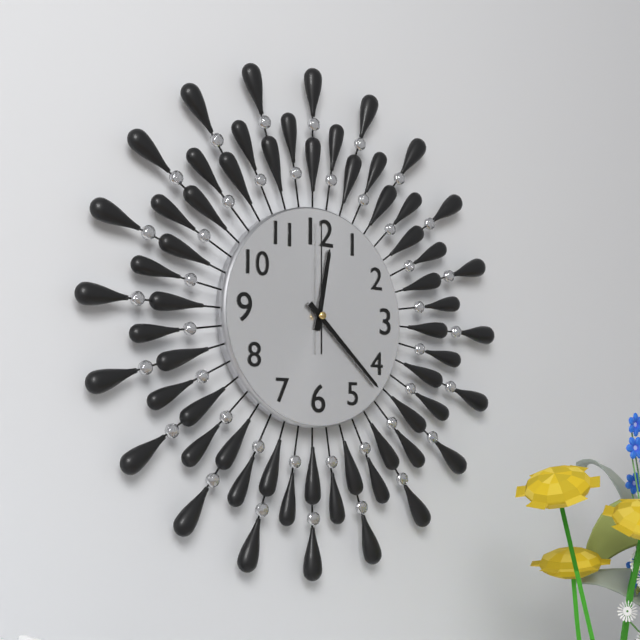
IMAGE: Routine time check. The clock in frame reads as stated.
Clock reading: 12:22:00
